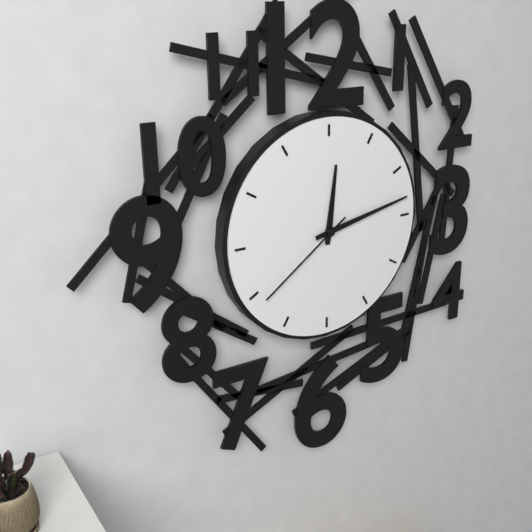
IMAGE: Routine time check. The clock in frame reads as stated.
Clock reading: 12:13:39
